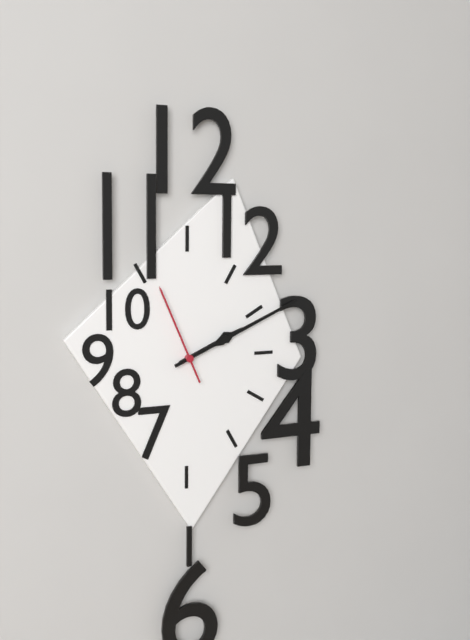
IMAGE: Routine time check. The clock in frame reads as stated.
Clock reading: 2:11:56
